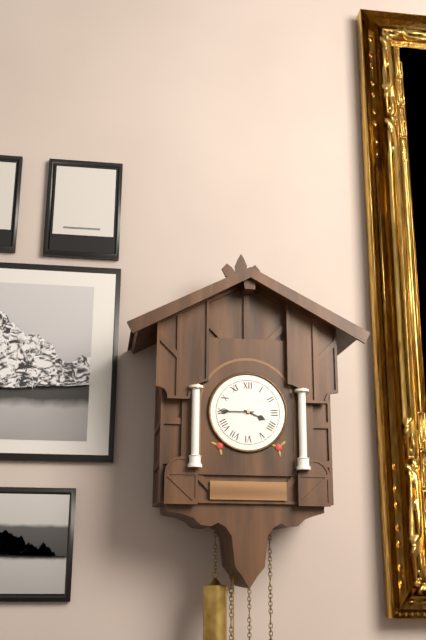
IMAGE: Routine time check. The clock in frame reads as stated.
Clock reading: 3:45
